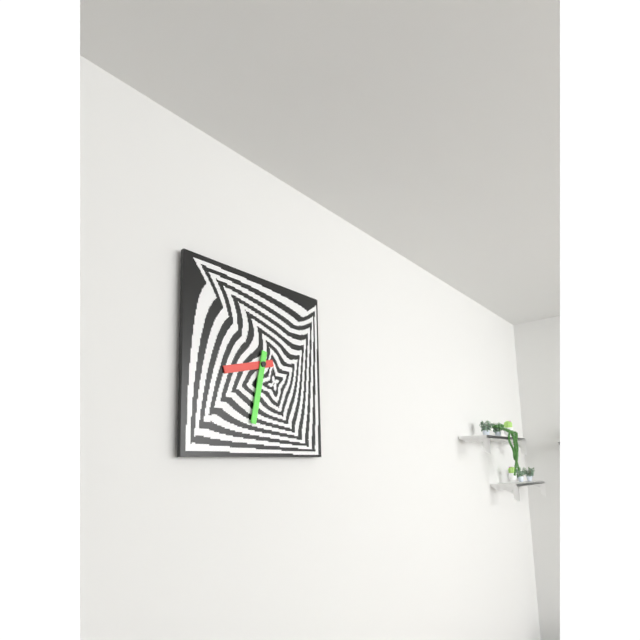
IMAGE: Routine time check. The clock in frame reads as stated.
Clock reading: 8:32
